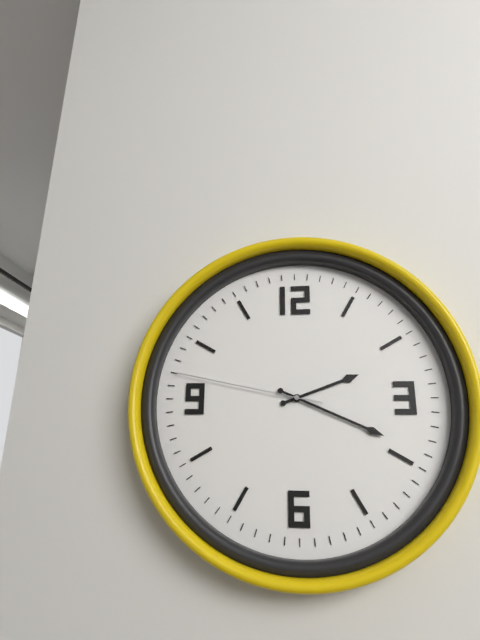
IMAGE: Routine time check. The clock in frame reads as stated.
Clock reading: 2:19:47
